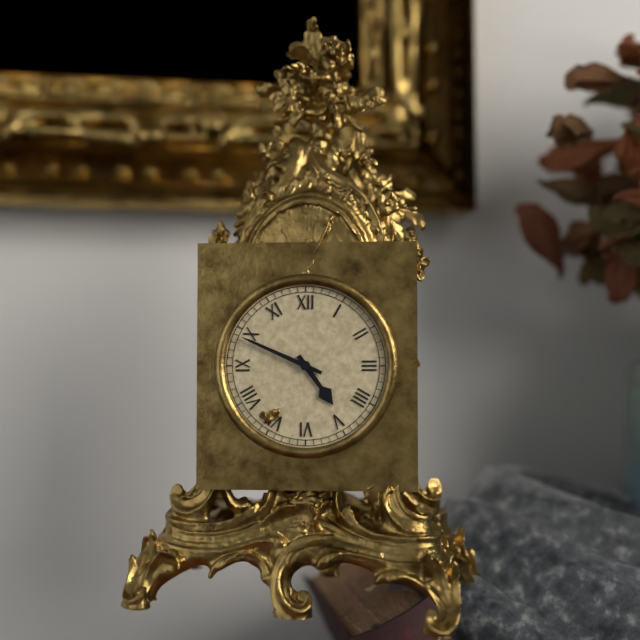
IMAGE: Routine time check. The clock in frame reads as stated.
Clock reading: 4:49
